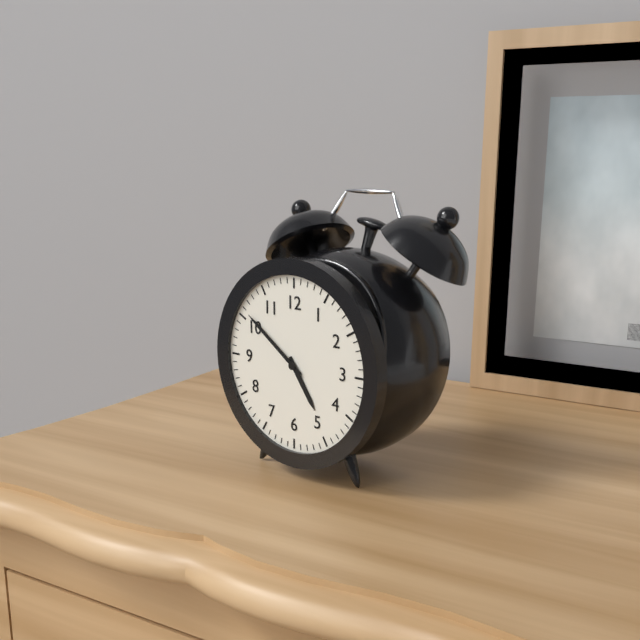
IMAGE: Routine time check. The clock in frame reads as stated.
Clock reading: 4:51
